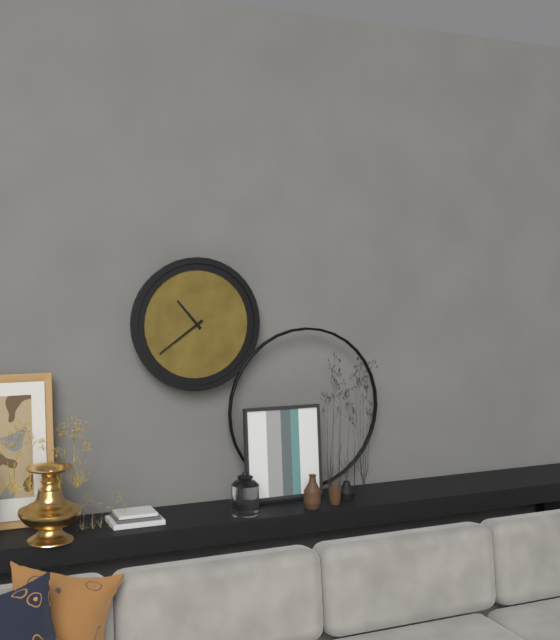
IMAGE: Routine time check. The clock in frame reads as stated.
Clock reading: 10:39
